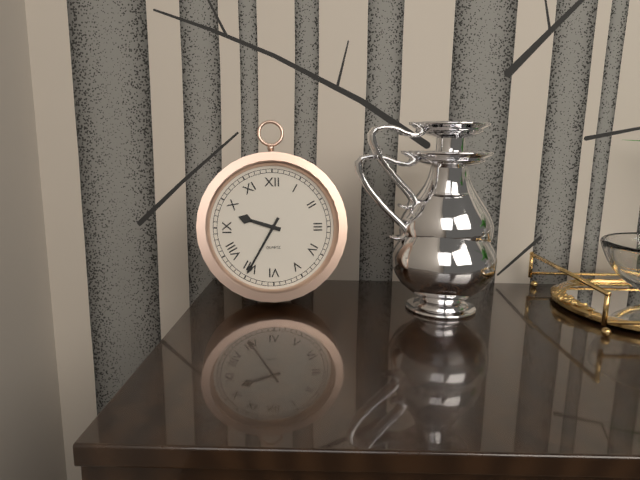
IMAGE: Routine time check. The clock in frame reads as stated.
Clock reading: 9:35
